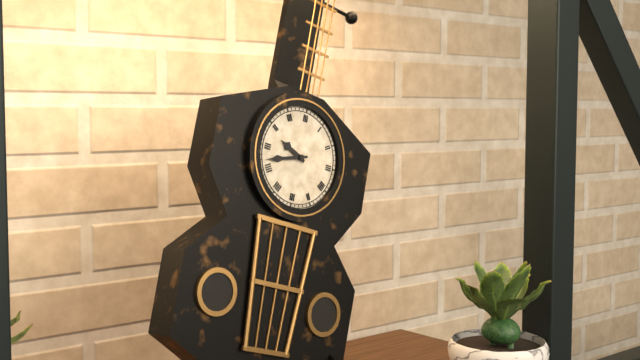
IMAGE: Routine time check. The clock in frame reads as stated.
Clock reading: 9:42
